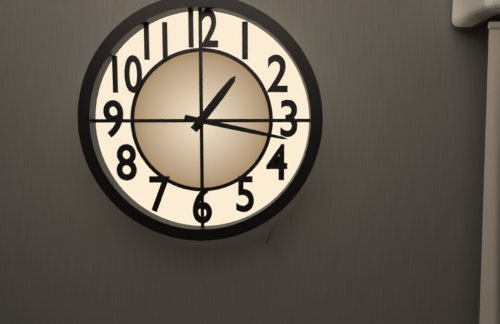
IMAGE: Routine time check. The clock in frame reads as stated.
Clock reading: 1:17
